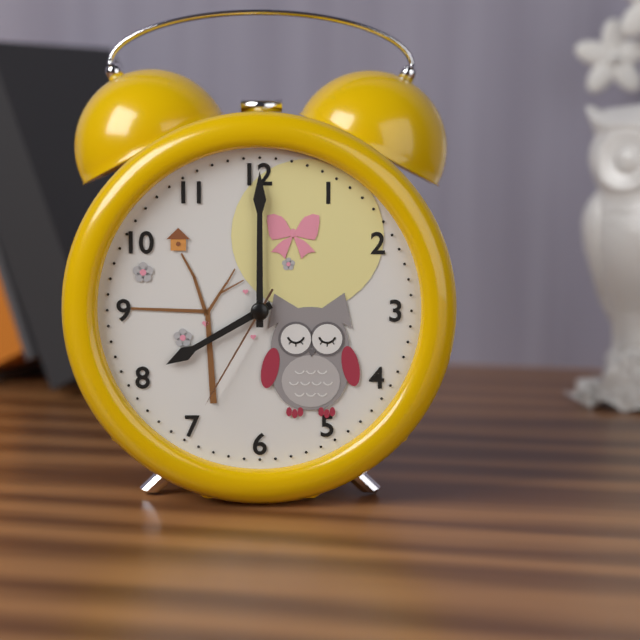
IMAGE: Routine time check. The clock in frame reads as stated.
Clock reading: 8:00:35
